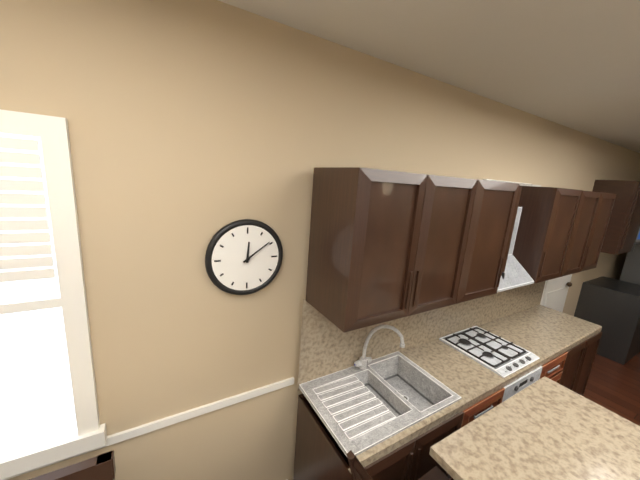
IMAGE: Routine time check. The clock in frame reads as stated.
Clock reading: 12:09
